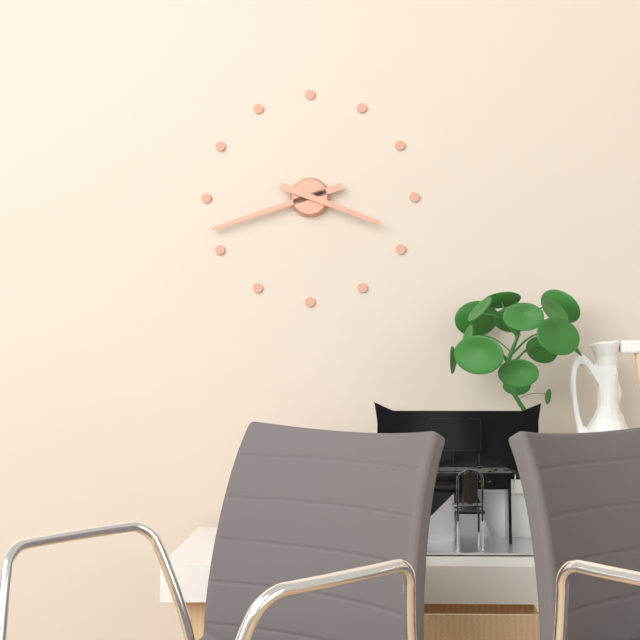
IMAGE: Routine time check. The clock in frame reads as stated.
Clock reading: 3:42
